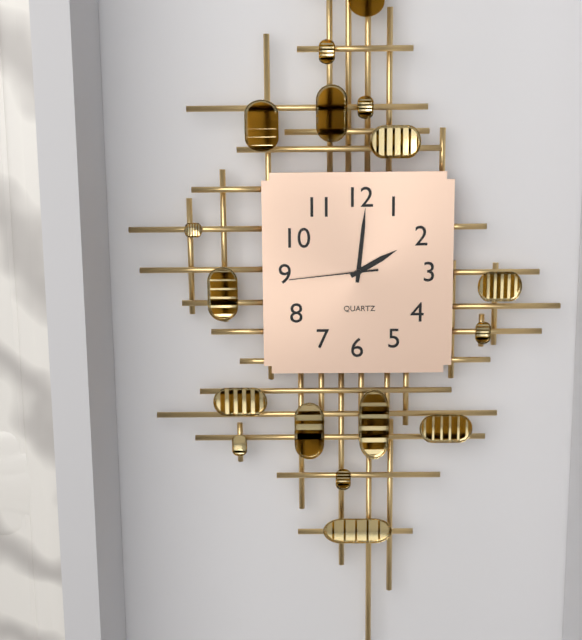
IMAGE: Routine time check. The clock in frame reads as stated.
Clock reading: 2:01:44
